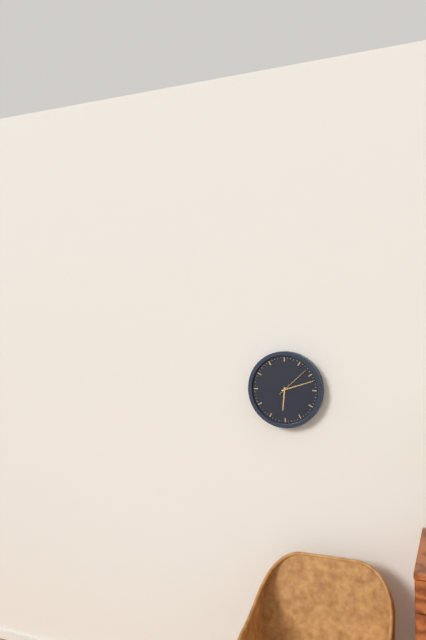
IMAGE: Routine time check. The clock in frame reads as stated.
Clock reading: 6:12
